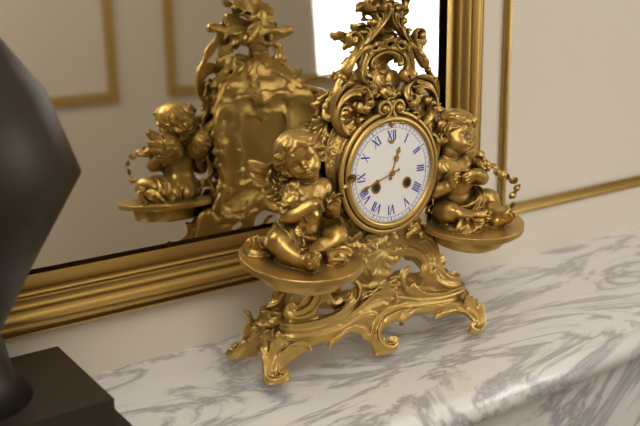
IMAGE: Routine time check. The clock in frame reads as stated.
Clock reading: 12:42
